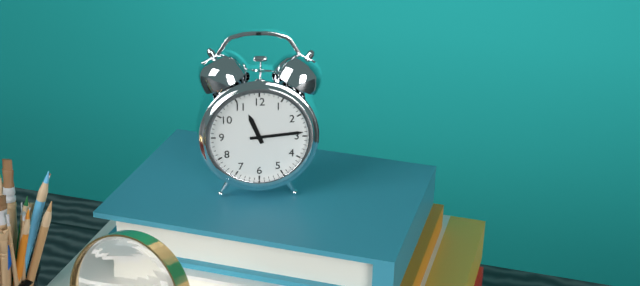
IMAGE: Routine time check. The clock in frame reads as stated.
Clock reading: 11:14
